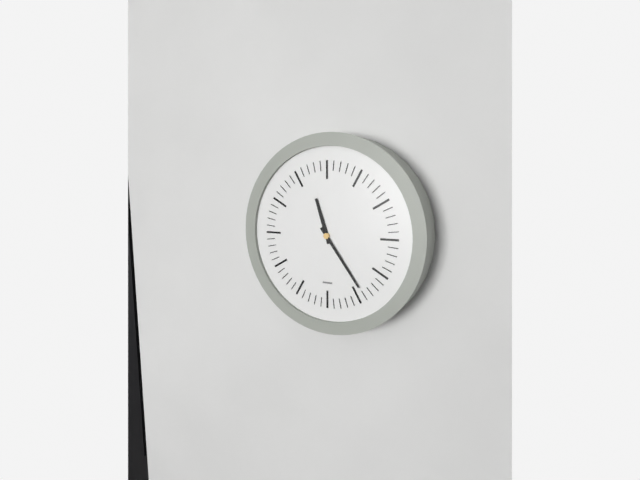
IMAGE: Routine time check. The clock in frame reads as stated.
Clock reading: 11:24
